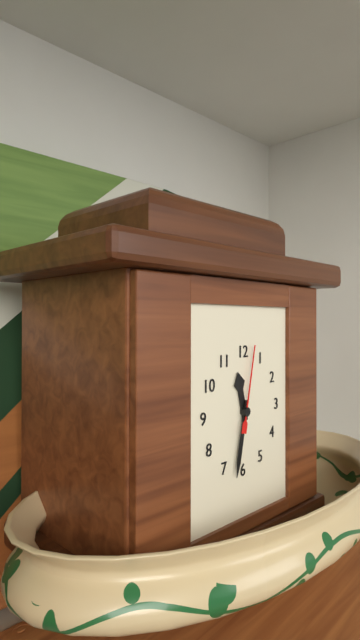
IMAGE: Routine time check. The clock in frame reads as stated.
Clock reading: 11:32:02
